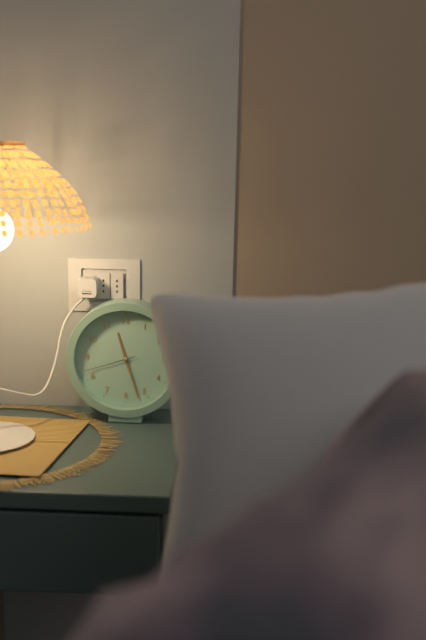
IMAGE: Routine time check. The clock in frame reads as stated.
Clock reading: 11:27:42
